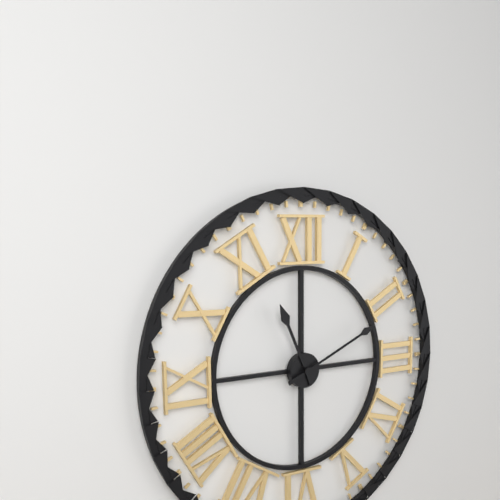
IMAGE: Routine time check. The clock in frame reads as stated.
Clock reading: 11:11
